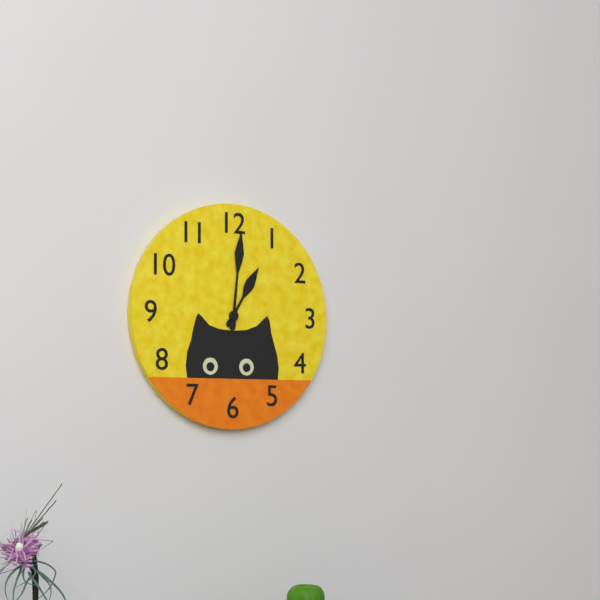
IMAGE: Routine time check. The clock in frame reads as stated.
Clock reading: 1:01
